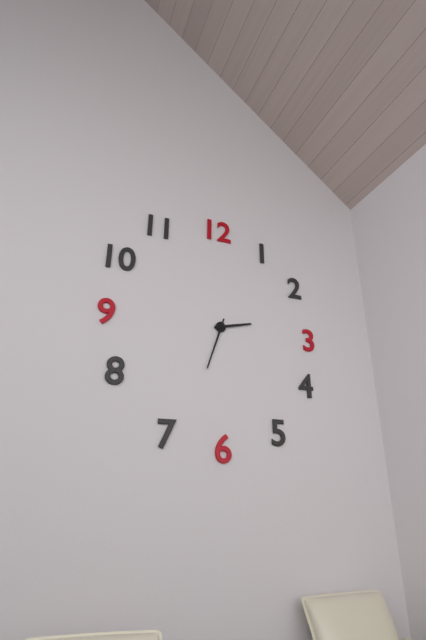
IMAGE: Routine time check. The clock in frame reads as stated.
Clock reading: 2:33
